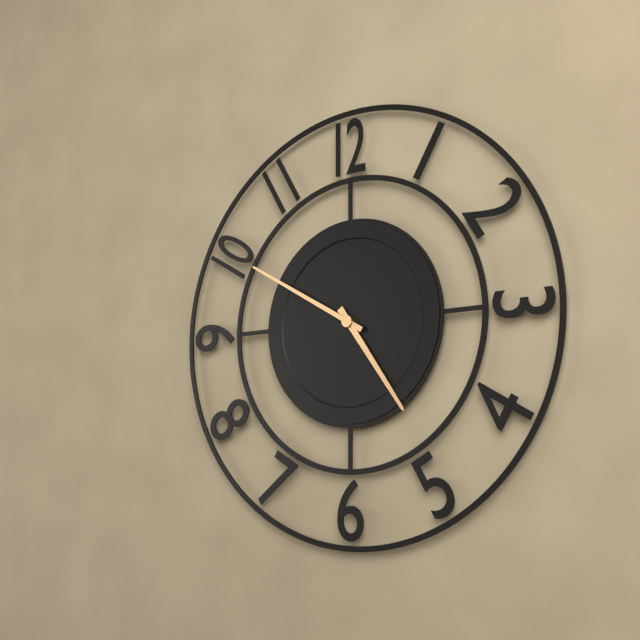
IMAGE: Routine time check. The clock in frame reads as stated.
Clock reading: 4:50
